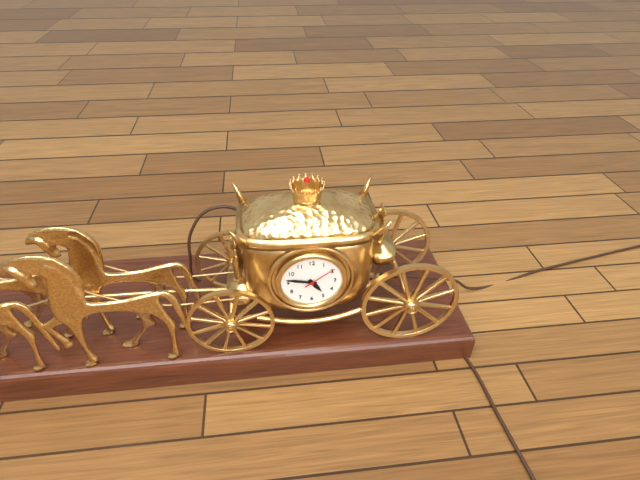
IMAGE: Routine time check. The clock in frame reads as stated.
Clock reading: 4:47
